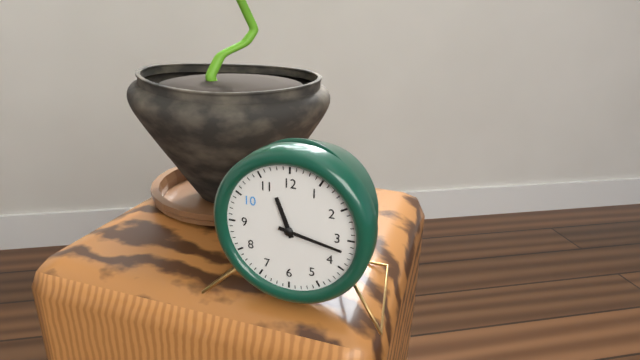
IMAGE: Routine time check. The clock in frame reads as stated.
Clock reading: 11:17
